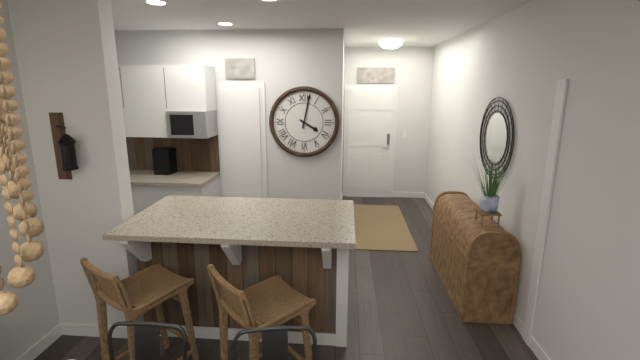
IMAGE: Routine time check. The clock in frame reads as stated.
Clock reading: 4:02
